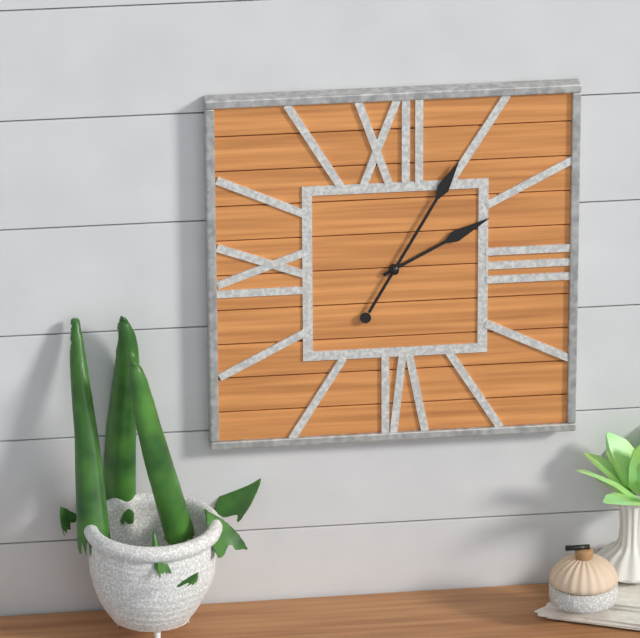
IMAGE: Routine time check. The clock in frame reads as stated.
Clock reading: 2:05
